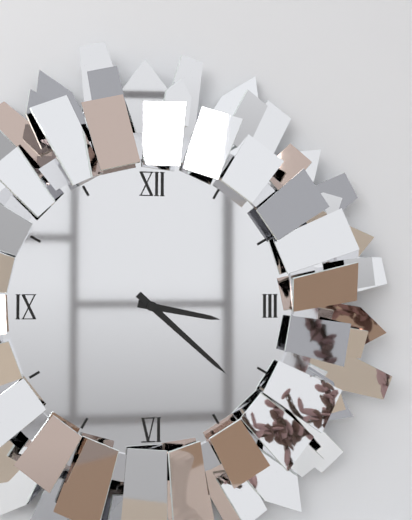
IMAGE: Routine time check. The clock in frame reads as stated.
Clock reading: 3:22
